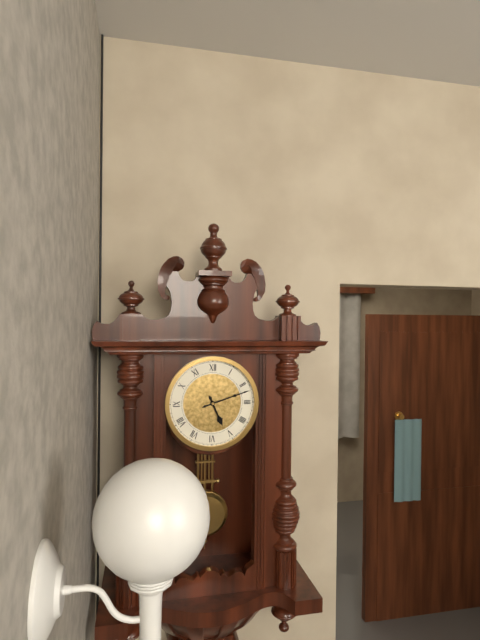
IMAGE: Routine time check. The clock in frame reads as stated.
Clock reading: 5:12
